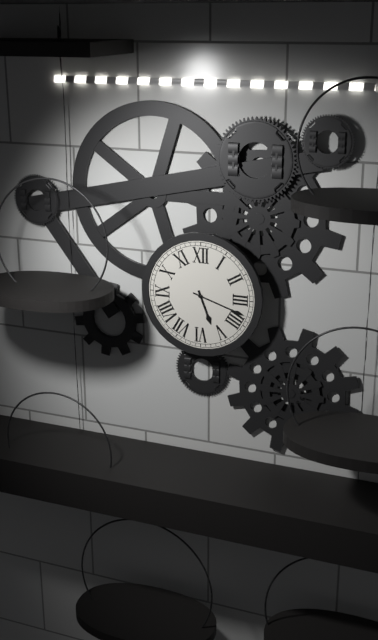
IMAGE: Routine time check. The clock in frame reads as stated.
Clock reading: 5:18
